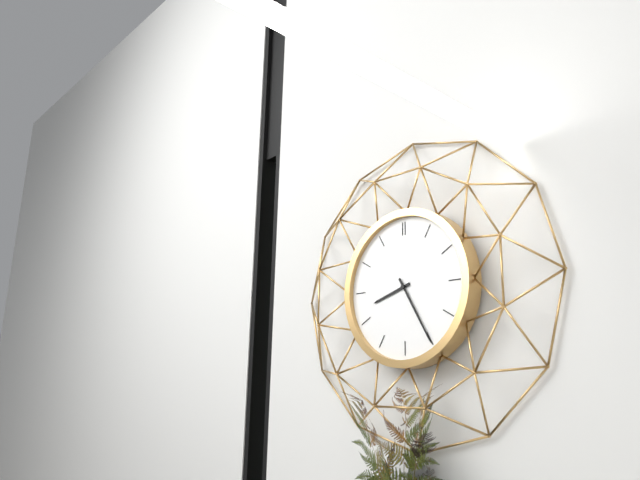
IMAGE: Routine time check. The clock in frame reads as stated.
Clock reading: 8:25
